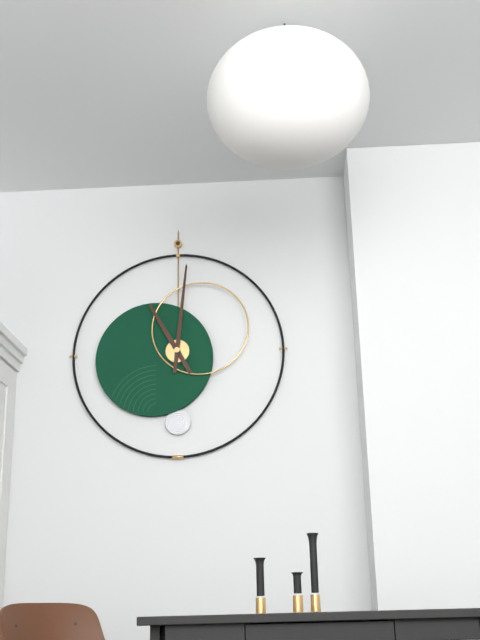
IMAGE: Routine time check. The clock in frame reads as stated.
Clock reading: 11:01
